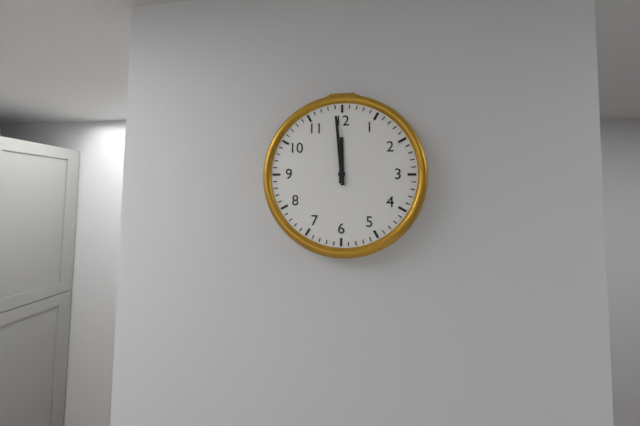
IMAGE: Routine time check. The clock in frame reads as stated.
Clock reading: 11:59
